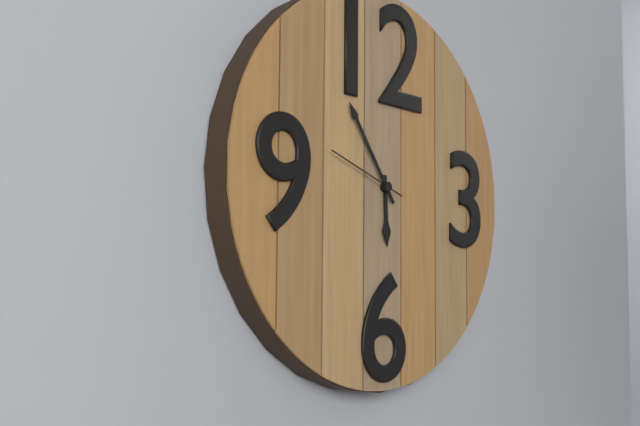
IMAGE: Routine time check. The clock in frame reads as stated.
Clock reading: 5:54:48
